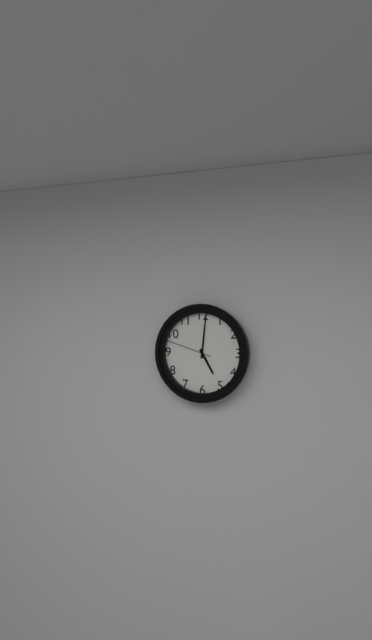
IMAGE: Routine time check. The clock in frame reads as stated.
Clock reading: 5:01
